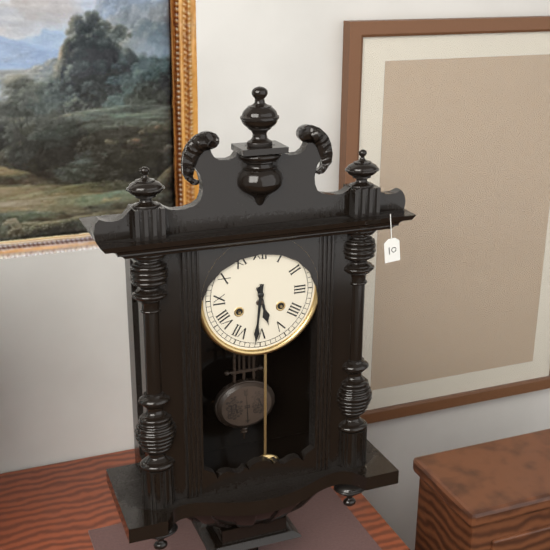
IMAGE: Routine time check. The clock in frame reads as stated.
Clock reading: 5:31
